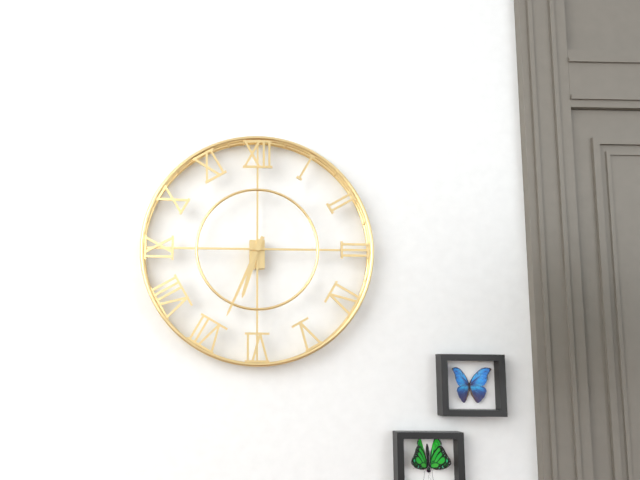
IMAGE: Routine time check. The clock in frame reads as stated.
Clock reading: 6:34
